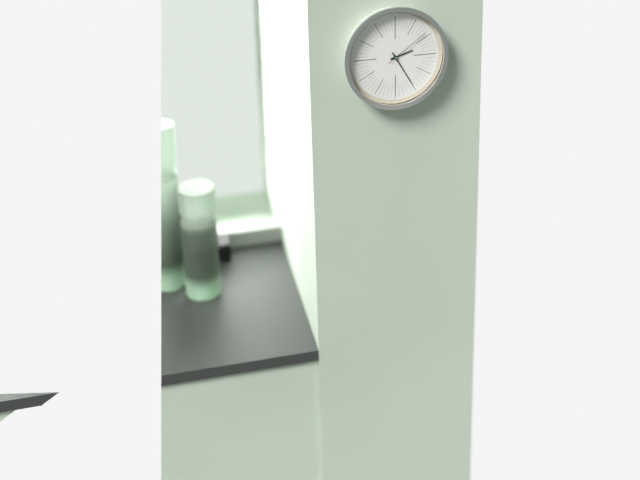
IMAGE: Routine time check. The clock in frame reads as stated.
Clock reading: 2:25
